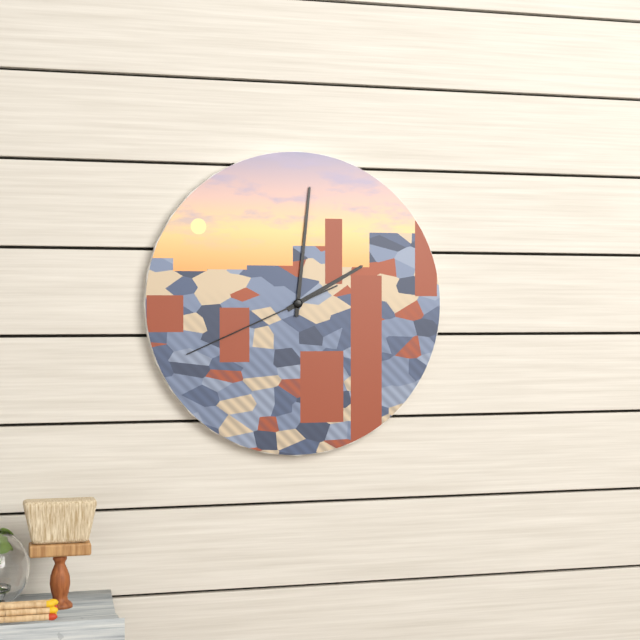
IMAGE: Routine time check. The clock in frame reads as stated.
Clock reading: 2:01:41
